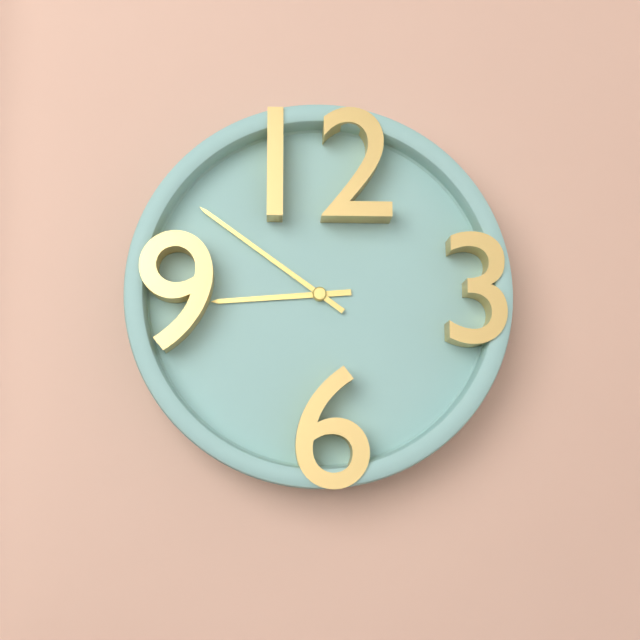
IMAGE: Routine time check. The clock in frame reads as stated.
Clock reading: 8:51
